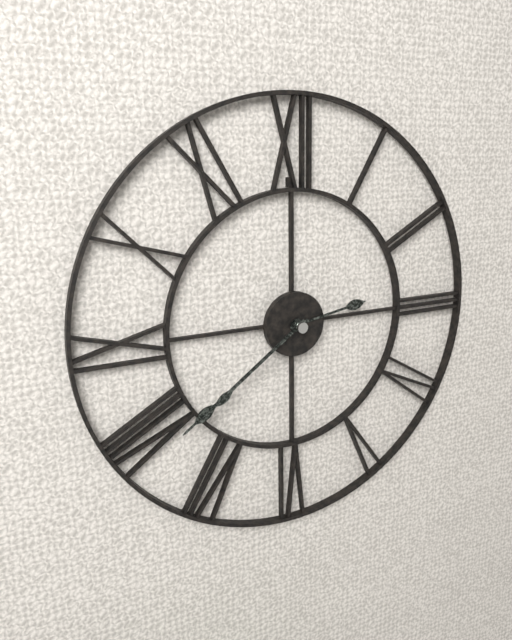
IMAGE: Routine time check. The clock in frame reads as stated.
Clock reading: 2:39:39
